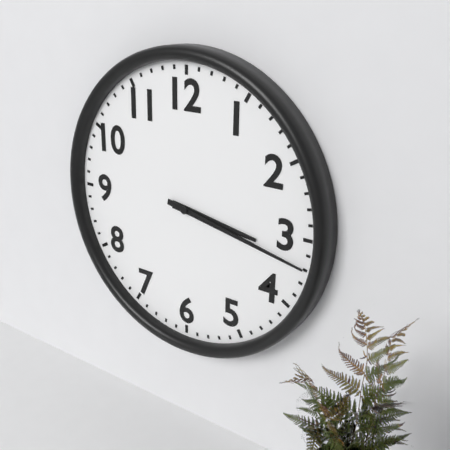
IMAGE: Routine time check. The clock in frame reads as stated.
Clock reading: 3:17
